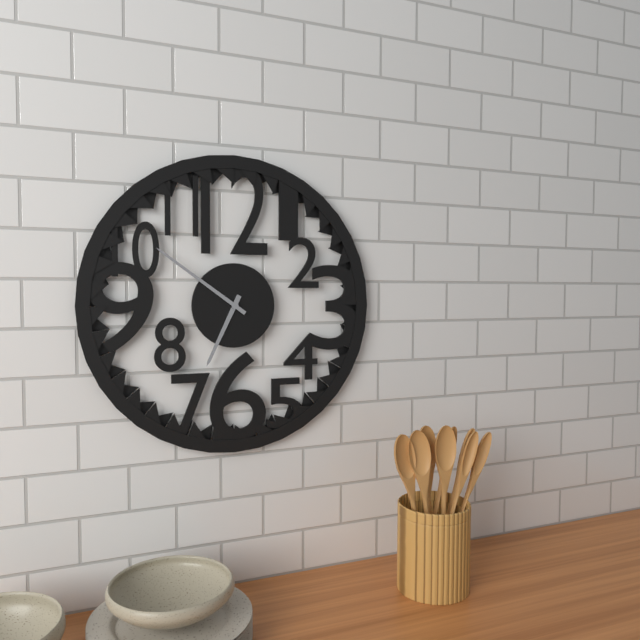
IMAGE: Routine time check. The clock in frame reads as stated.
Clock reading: 6:51
